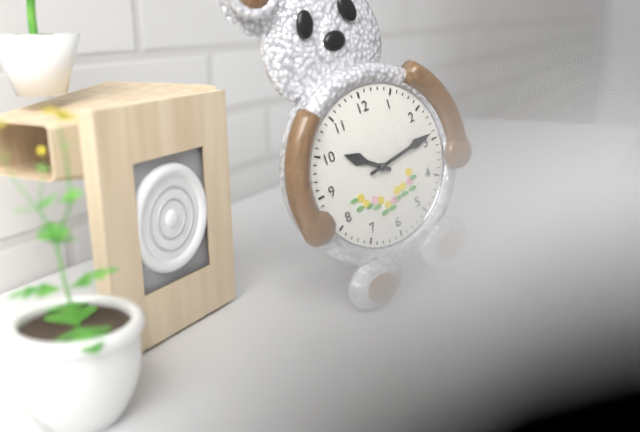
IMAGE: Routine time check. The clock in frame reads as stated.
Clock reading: 10:14
